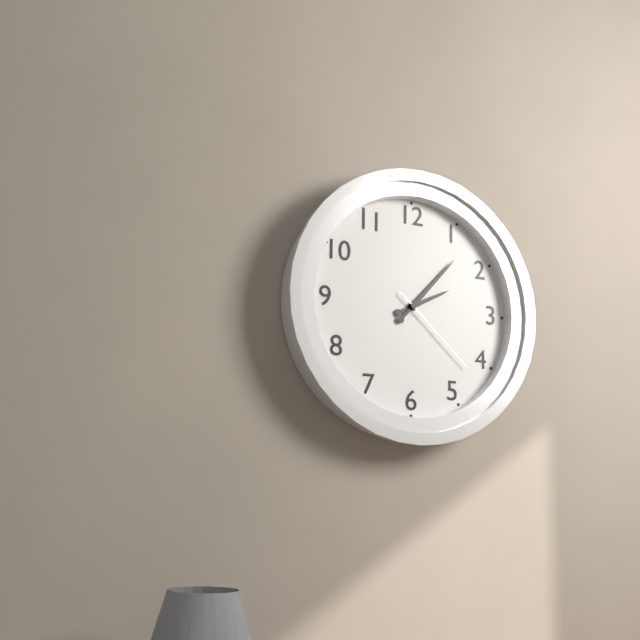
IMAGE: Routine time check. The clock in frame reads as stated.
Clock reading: 2:07:22
